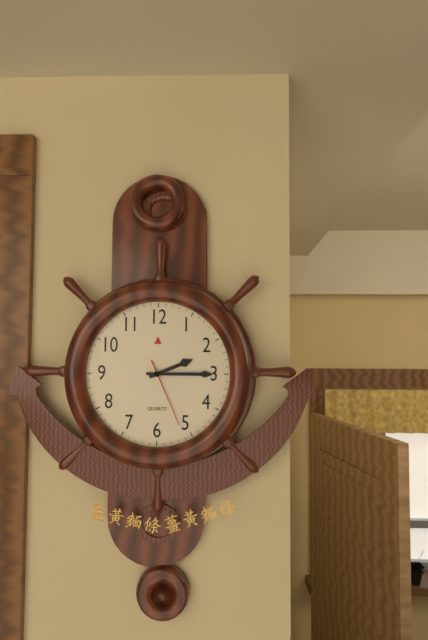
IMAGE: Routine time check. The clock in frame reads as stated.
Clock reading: 2:15:26
